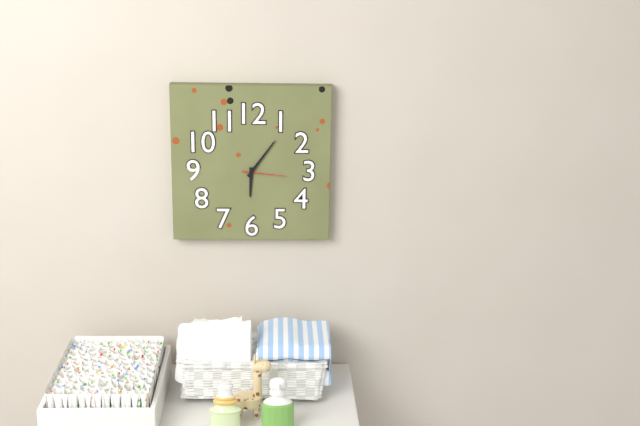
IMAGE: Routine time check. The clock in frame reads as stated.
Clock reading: 6:06
